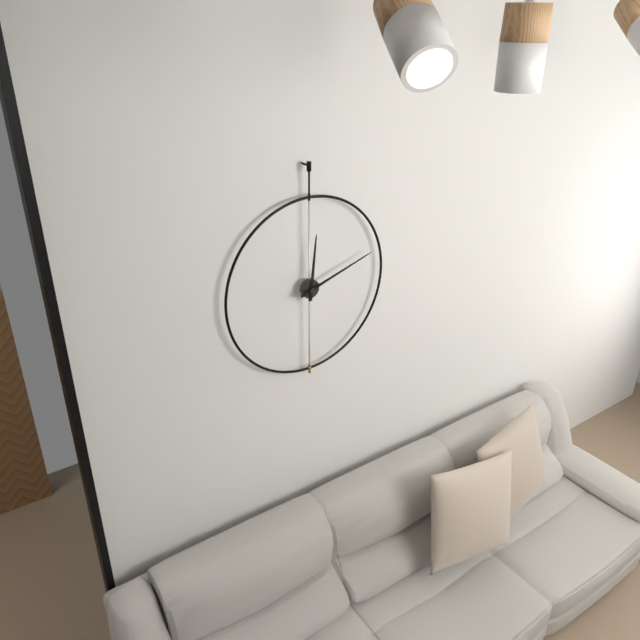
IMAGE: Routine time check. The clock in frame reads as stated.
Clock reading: 12:12
